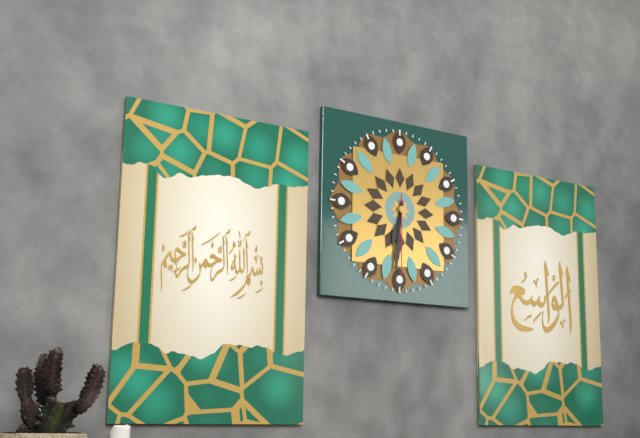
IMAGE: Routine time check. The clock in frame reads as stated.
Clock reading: 6:31:30
